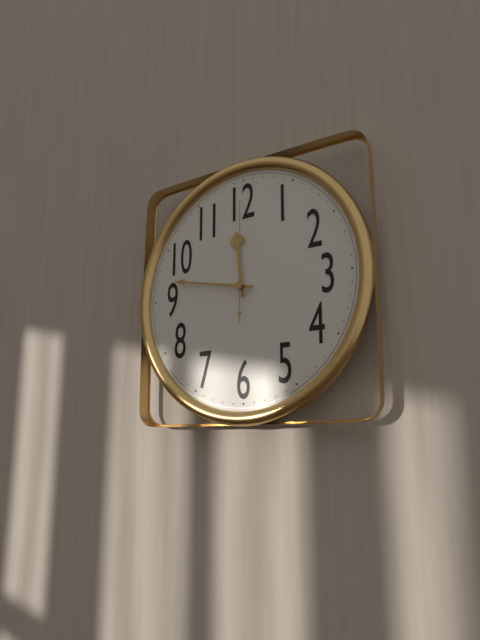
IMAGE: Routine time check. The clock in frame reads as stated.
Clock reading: 11:47:00
